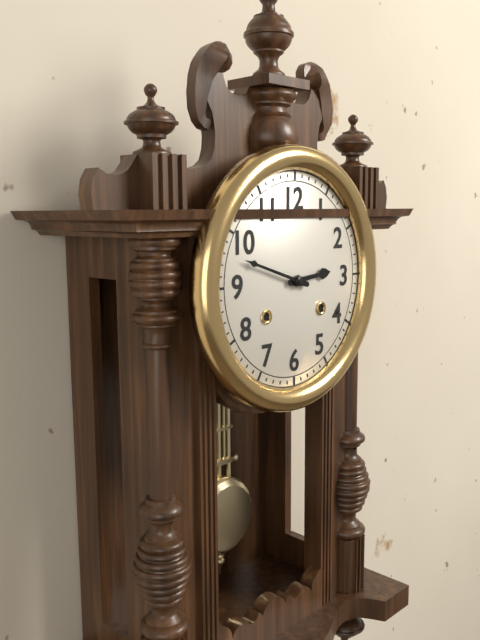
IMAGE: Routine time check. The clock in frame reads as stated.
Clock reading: 2:48
